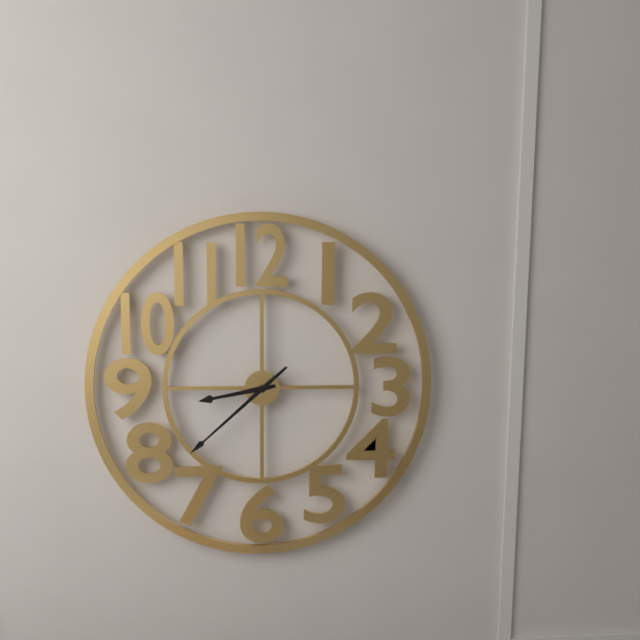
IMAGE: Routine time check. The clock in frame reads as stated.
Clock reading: 8:38
